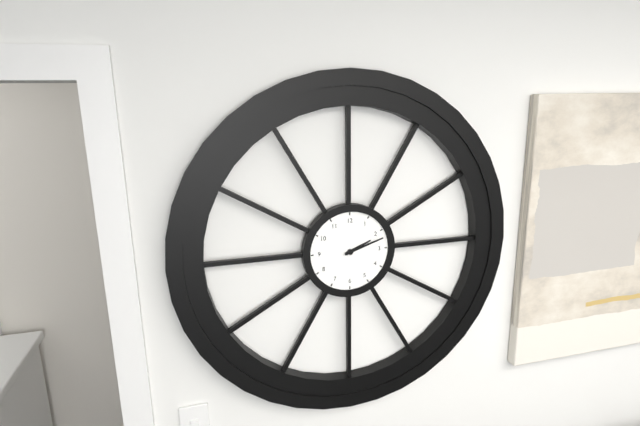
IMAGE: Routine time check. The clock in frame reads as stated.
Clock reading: 2:12
